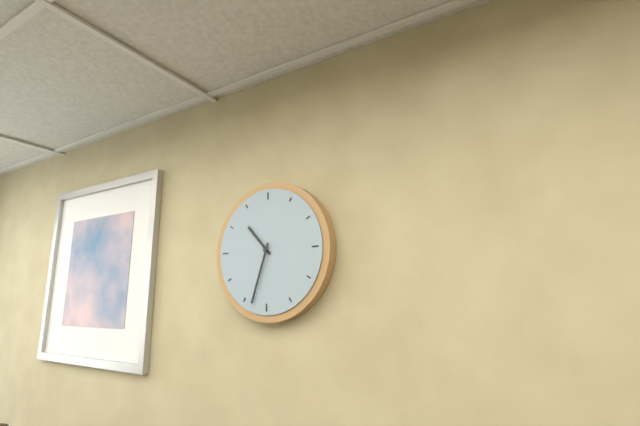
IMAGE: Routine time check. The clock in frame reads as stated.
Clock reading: 10:33
